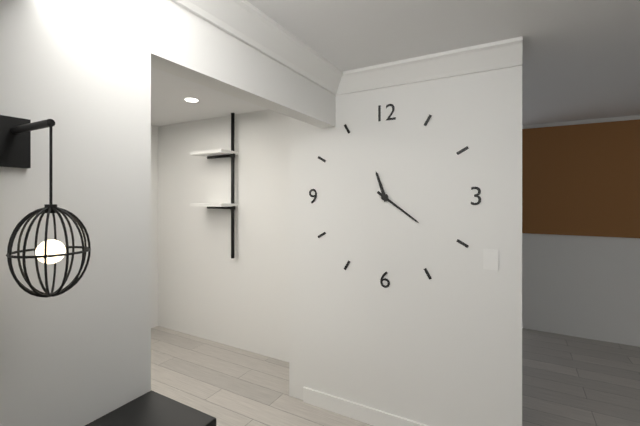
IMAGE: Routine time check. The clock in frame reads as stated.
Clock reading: 11:21
